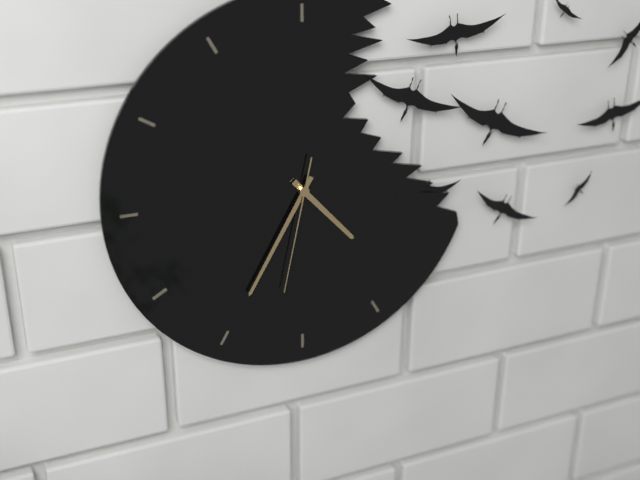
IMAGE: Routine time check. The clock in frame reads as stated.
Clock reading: 4:35:32
